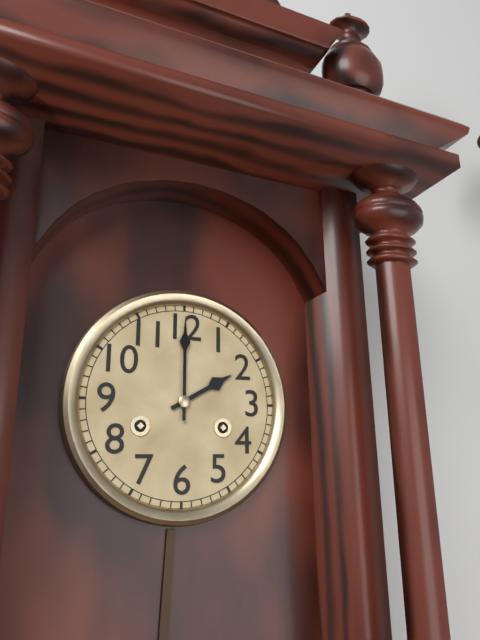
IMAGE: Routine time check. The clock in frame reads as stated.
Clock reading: 2:00
